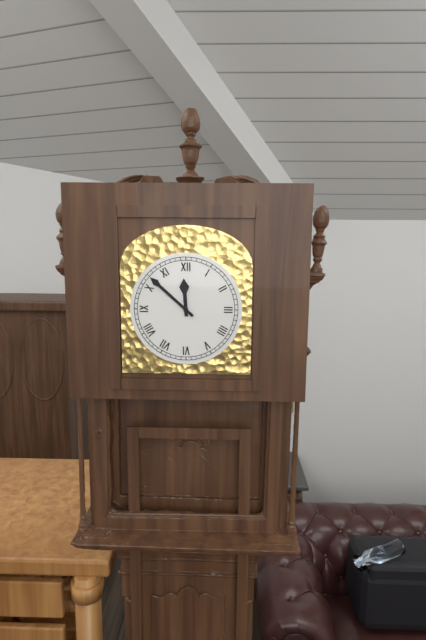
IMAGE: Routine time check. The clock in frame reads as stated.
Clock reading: 11:52
